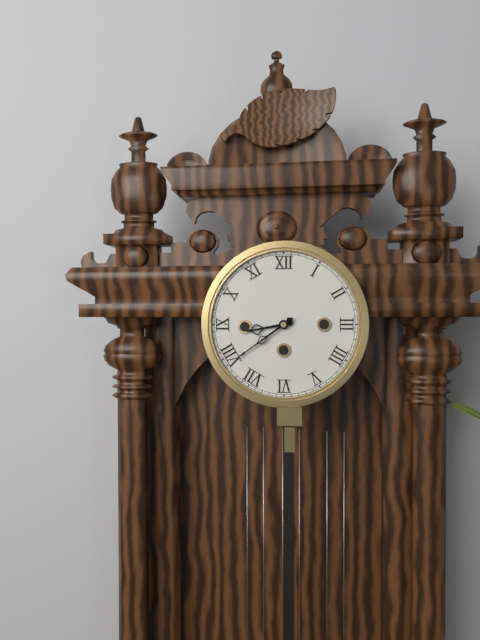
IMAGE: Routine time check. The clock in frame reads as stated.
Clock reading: 8:39
